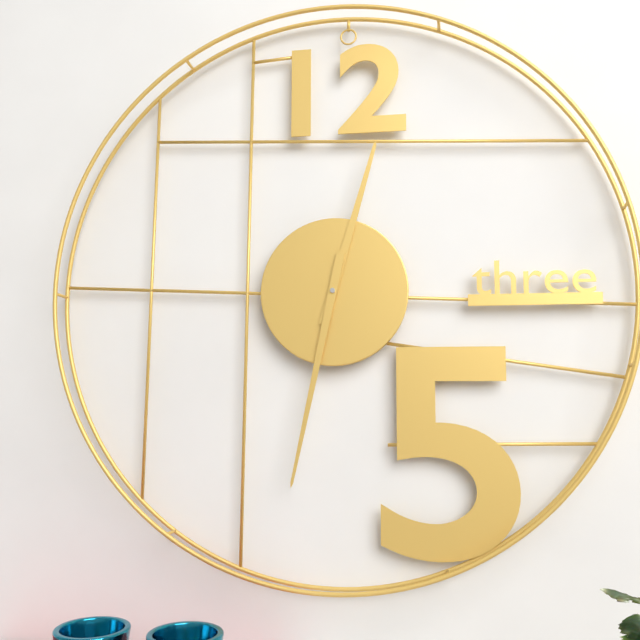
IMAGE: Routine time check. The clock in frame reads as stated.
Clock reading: 12:32
